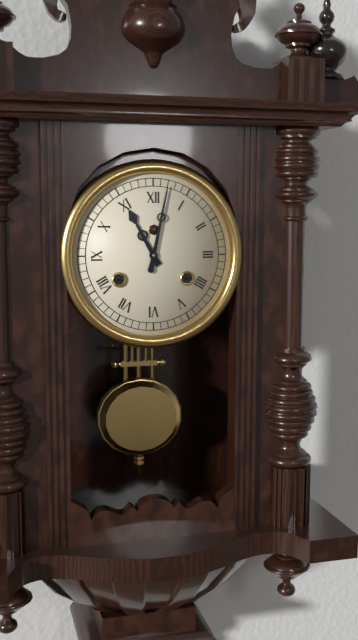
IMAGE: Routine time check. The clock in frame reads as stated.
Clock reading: 11:02
